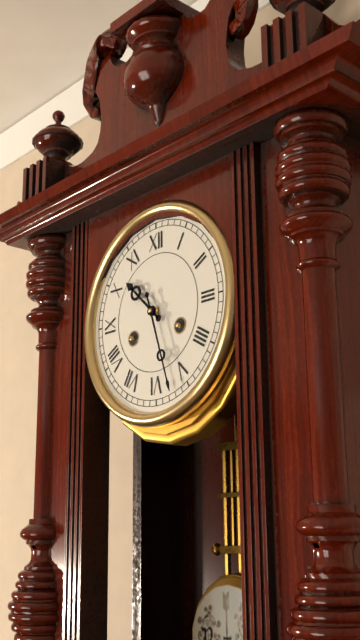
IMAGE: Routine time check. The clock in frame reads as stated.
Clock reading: 10:27
